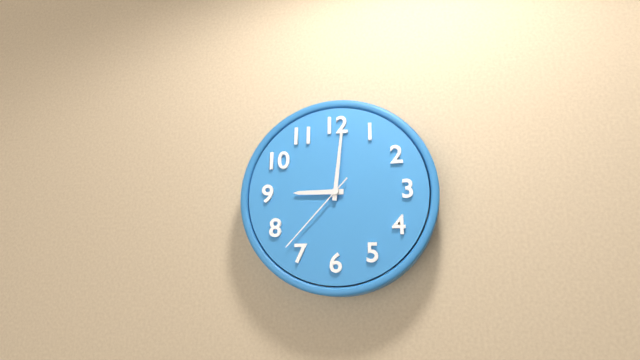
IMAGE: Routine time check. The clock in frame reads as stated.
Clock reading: 9:01:37
